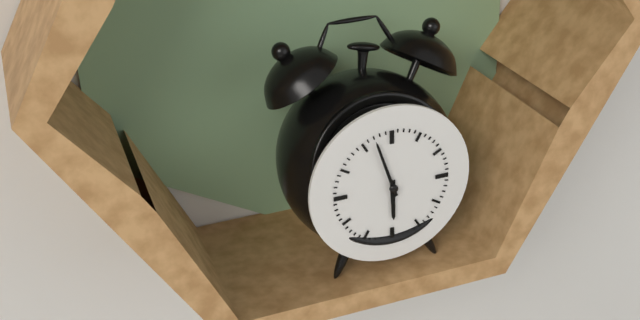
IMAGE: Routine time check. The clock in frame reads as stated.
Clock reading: 5:57
